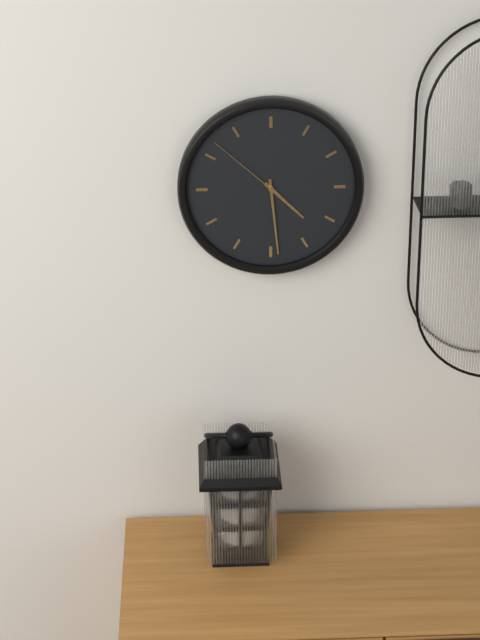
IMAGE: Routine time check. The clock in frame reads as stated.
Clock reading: 4:29:52
